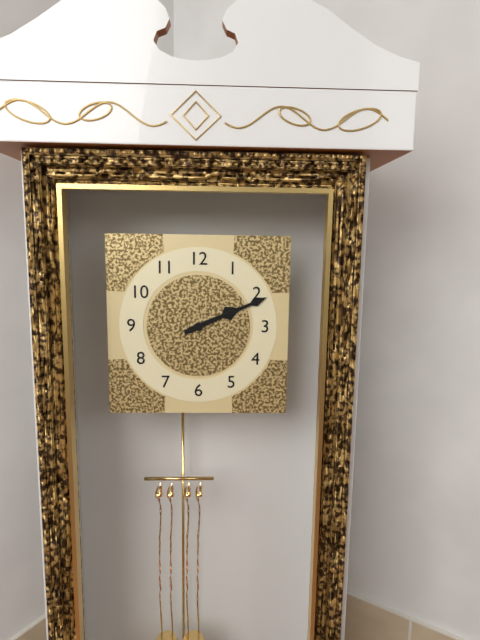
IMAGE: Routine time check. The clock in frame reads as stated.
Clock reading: 2:11
